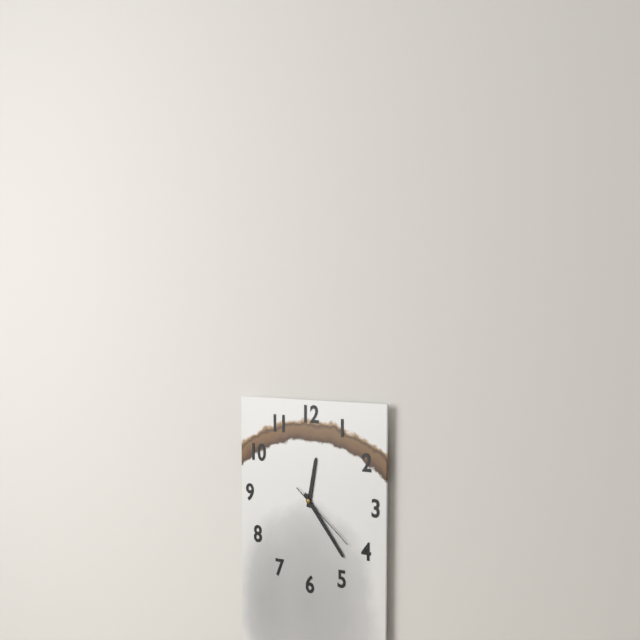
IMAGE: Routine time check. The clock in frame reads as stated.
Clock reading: 12:23:21
